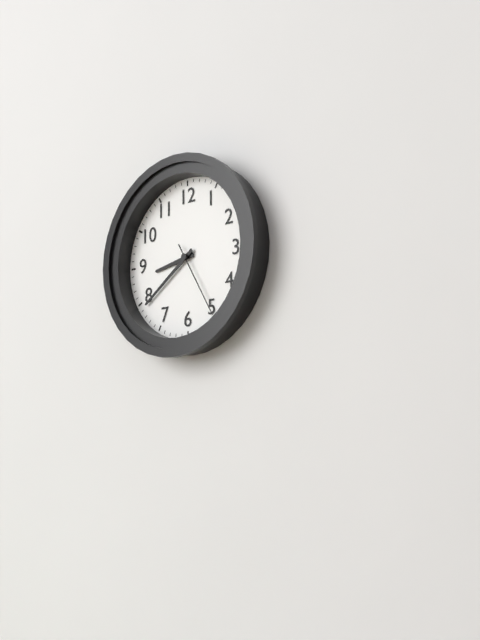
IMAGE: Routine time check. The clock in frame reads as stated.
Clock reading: 8:39:25
